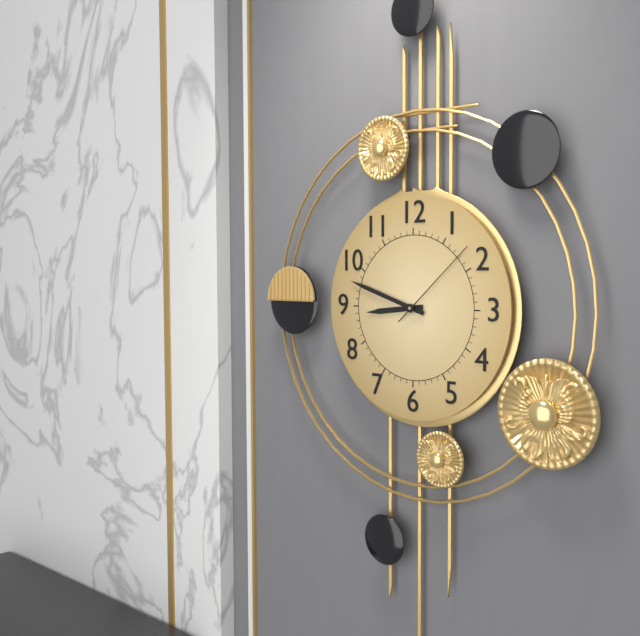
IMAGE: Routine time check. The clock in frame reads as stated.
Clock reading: 8:48:08
